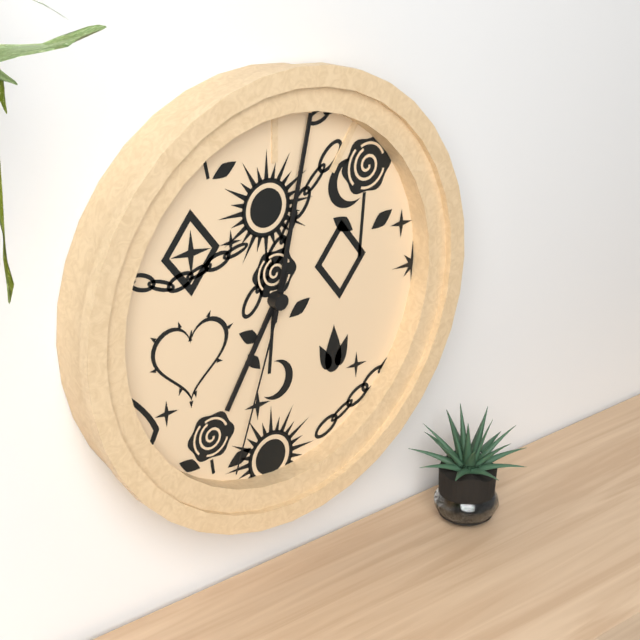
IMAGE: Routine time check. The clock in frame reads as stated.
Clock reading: 7:02:33
